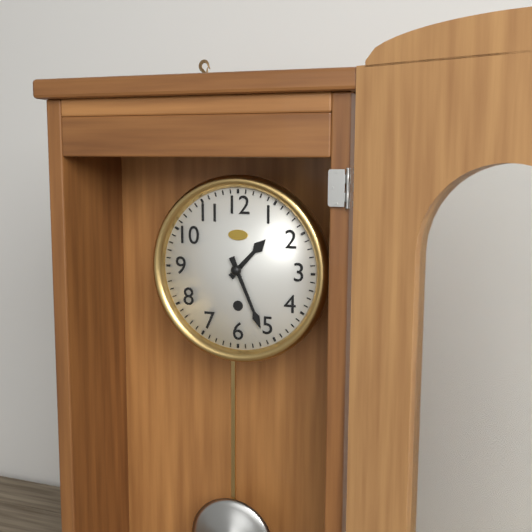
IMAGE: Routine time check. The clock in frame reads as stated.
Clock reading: 1:26
